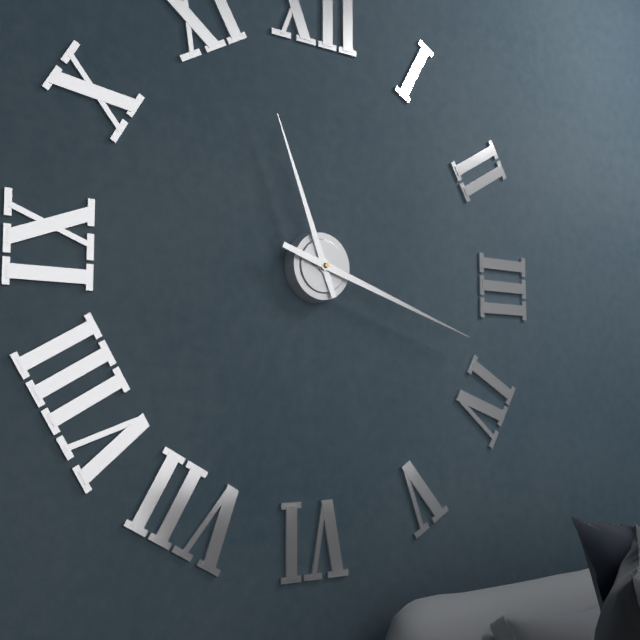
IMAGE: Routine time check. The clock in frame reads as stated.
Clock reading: 11:18
